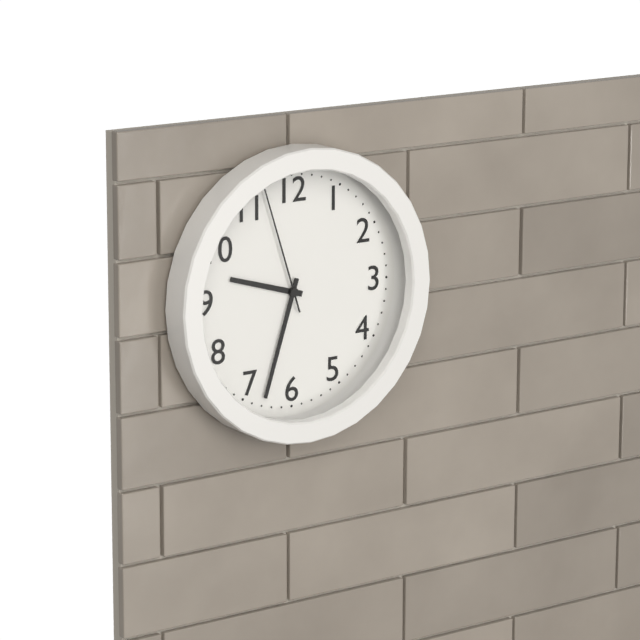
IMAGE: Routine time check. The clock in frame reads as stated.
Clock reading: 9:33:57
